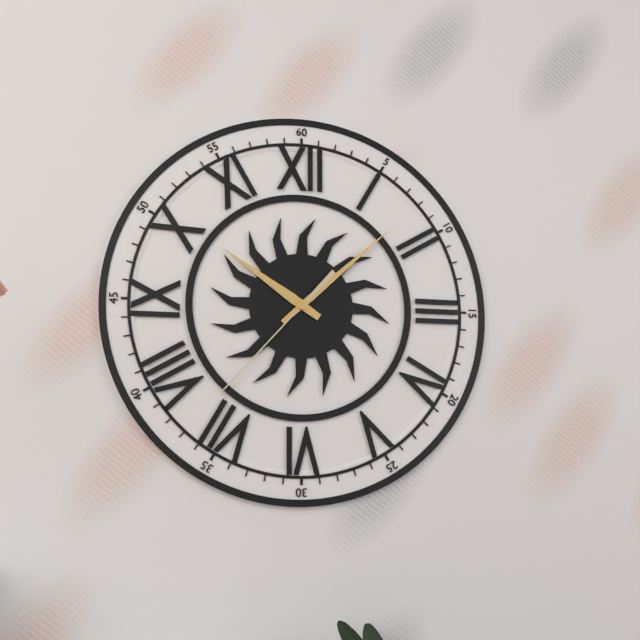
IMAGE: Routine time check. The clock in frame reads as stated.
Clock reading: 10:08:37
